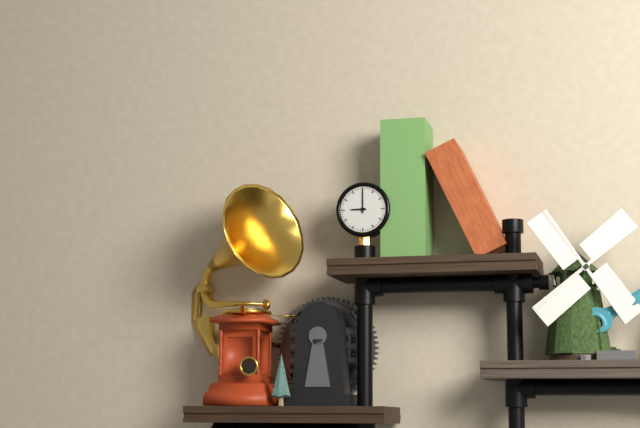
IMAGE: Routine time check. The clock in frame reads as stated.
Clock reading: 9:00
